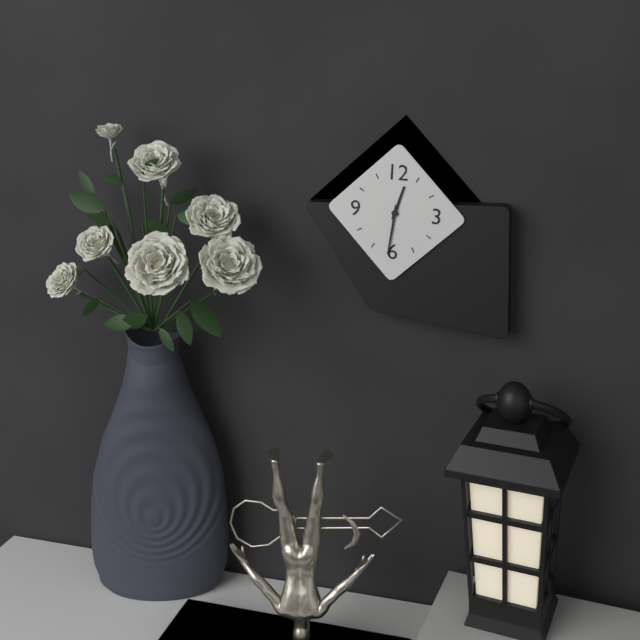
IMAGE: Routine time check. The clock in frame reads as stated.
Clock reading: 12:31
